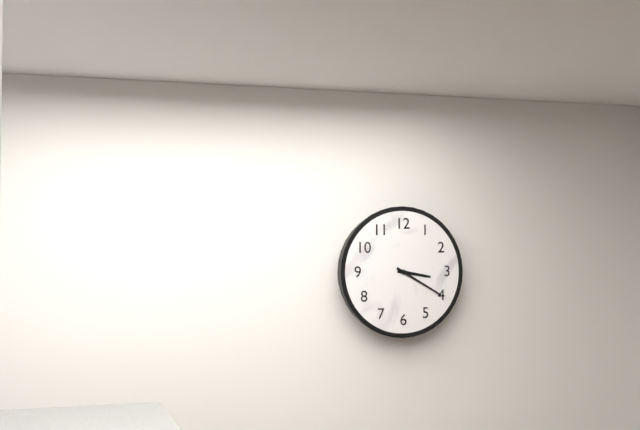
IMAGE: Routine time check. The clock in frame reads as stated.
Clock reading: 3:20
